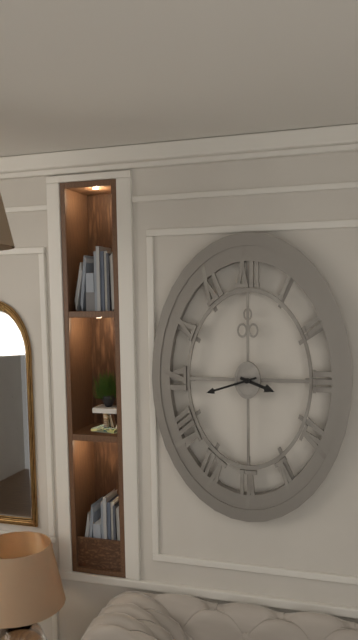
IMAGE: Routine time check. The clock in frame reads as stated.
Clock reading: 3:42
